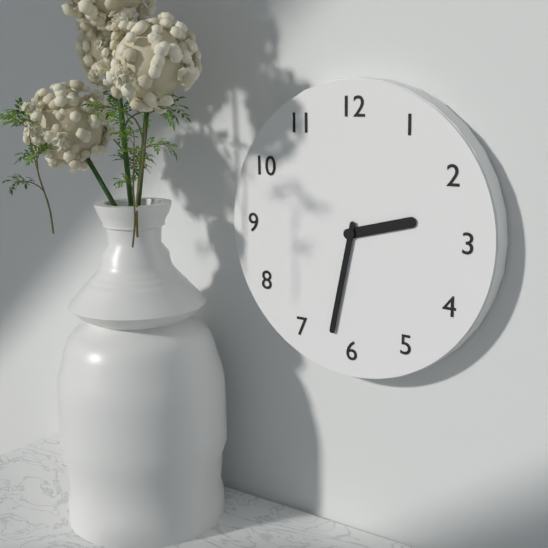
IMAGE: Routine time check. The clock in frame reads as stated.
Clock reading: 2:32
